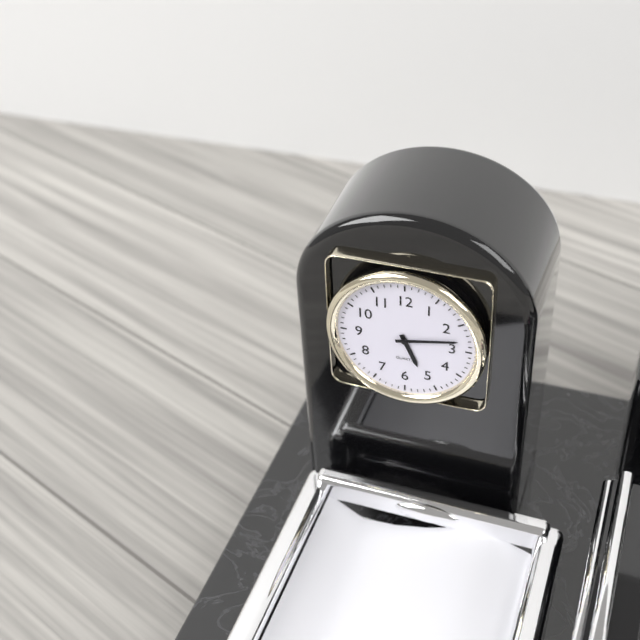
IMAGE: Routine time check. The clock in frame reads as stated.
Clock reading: 5:13
